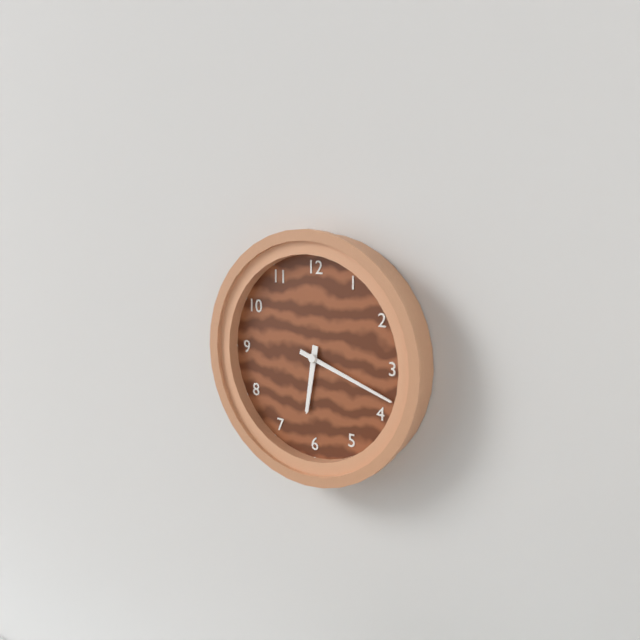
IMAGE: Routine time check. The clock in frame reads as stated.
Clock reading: 6:18
